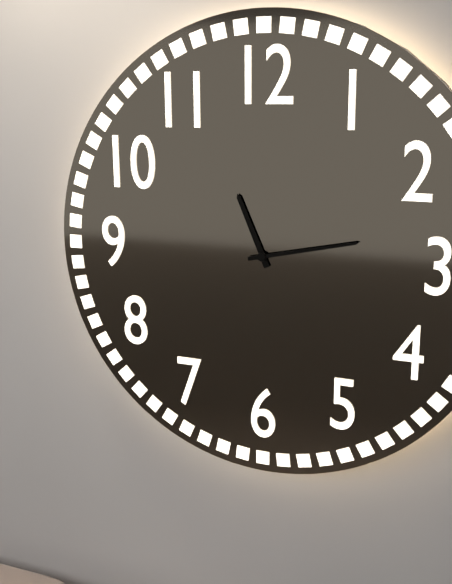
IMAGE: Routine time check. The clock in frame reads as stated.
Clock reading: 11:13
